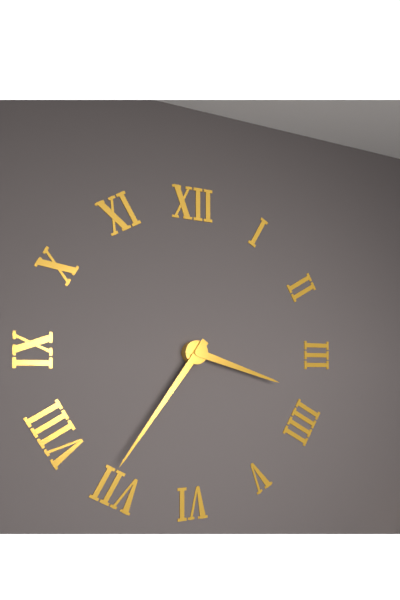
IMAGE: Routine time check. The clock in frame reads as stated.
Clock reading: 3:36
